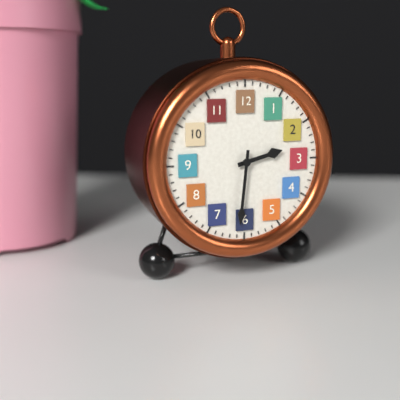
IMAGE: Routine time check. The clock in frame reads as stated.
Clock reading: 2:31
